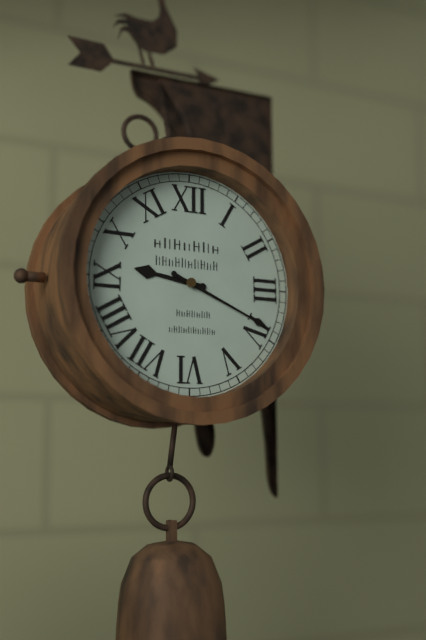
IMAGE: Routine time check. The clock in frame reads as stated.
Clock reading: 9:19
